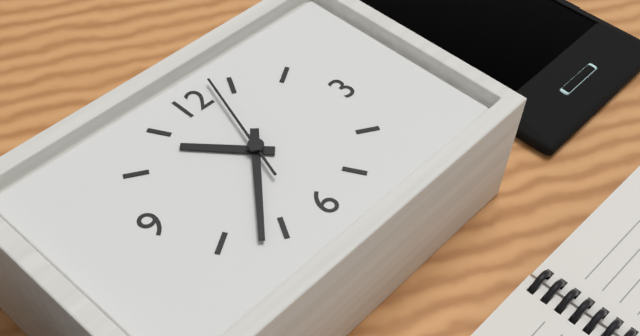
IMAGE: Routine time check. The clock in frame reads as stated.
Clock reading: 10:37:03
